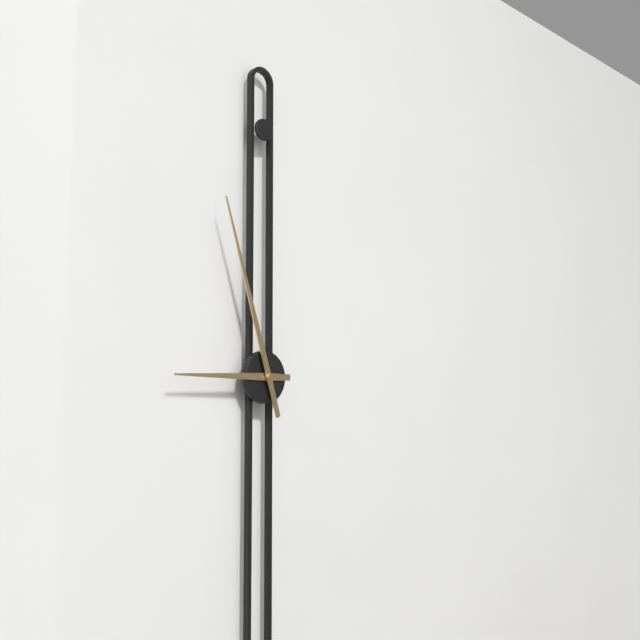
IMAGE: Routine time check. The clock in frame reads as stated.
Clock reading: 8:57
